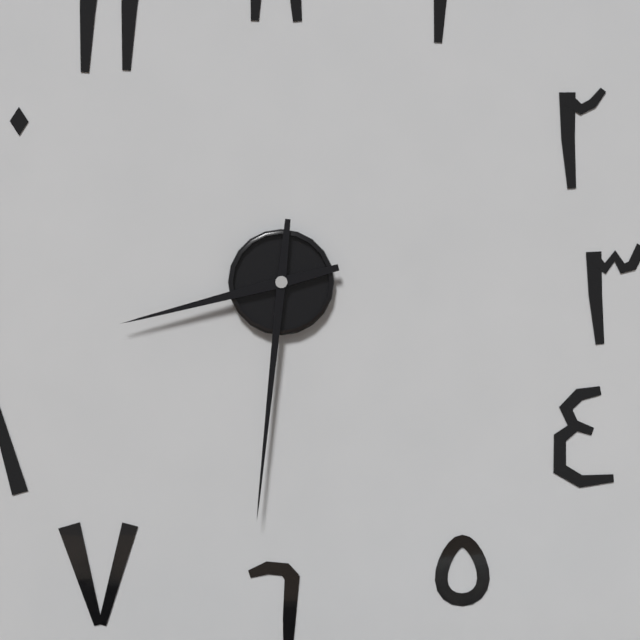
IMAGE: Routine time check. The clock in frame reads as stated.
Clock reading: 8:31
